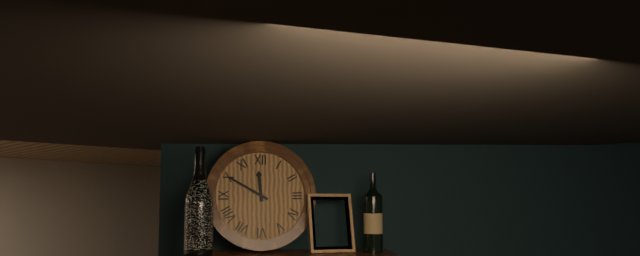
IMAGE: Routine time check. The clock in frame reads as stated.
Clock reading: 11:50
